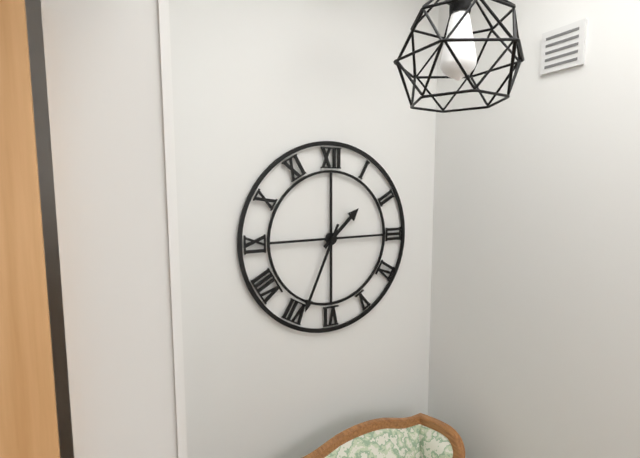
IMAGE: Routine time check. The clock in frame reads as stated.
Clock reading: 1:34
